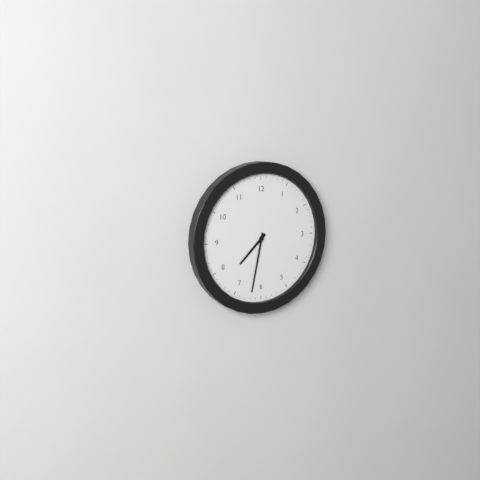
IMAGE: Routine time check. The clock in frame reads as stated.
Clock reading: 7:32
